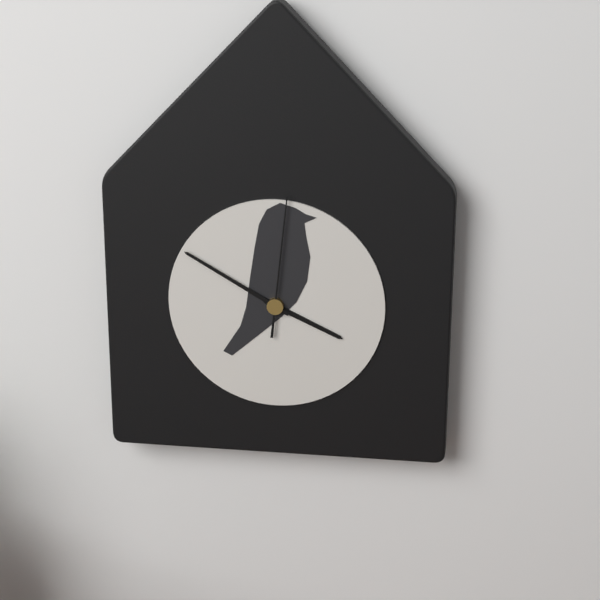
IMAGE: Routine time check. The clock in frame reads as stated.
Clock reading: 3:50:01
